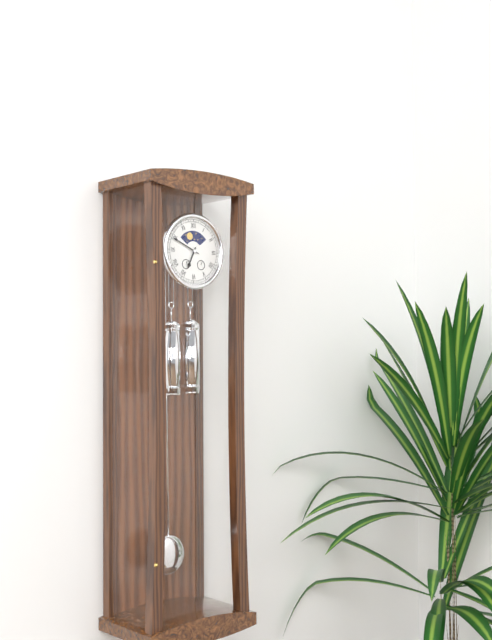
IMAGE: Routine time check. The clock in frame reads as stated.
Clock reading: 6:49
